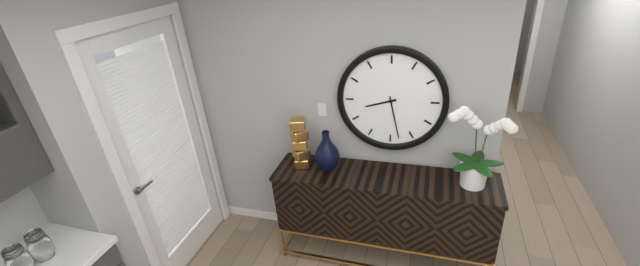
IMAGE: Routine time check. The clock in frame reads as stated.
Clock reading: 8:28
